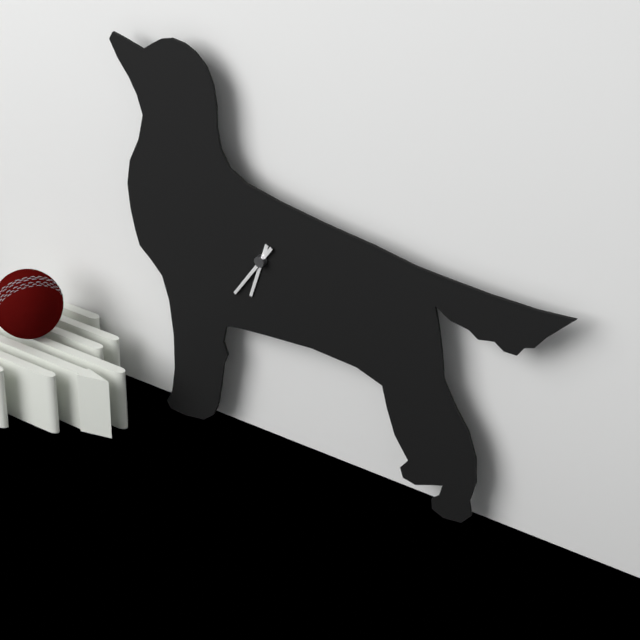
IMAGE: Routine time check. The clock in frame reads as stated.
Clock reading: 6:36
